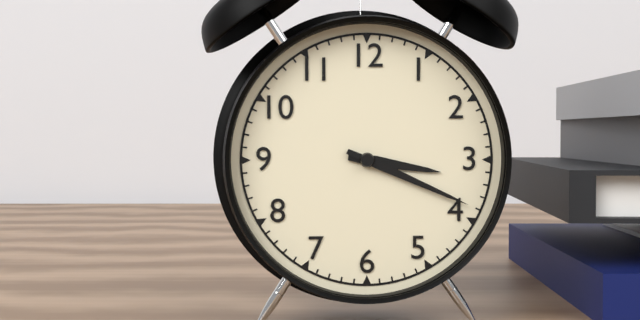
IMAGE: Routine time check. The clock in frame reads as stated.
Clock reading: 3:19
